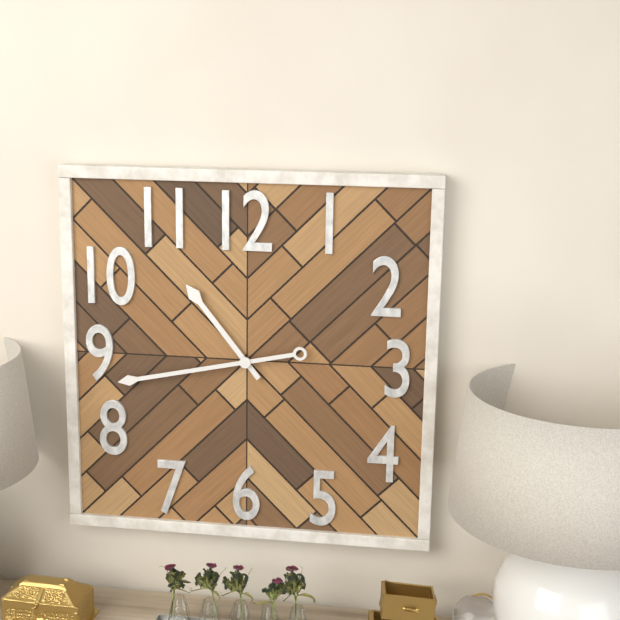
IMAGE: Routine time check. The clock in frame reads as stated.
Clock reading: 10:43
